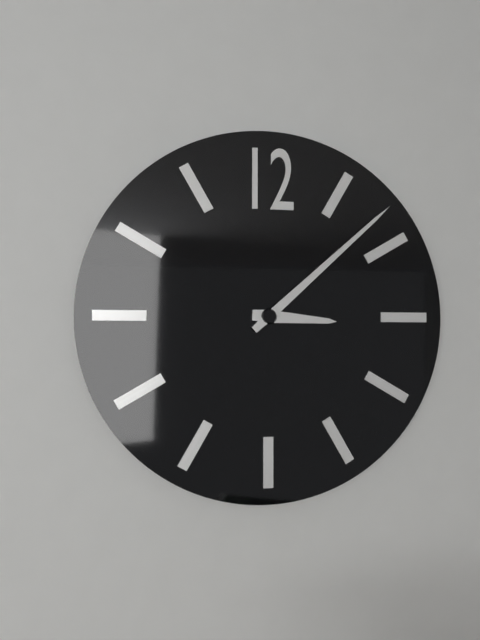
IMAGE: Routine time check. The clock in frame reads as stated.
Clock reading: 3:08
